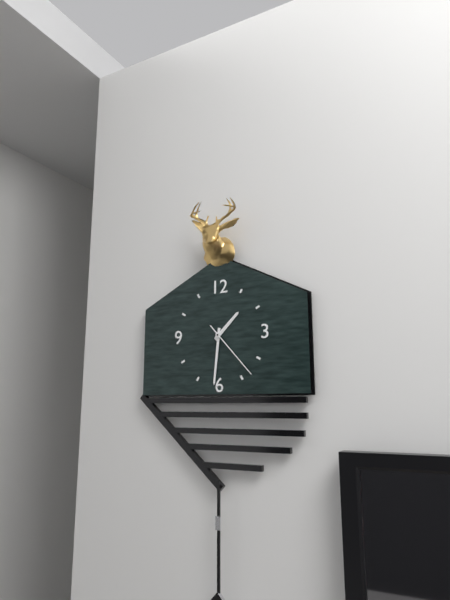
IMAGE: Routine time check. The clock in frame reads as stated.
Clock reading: 1:31:23
